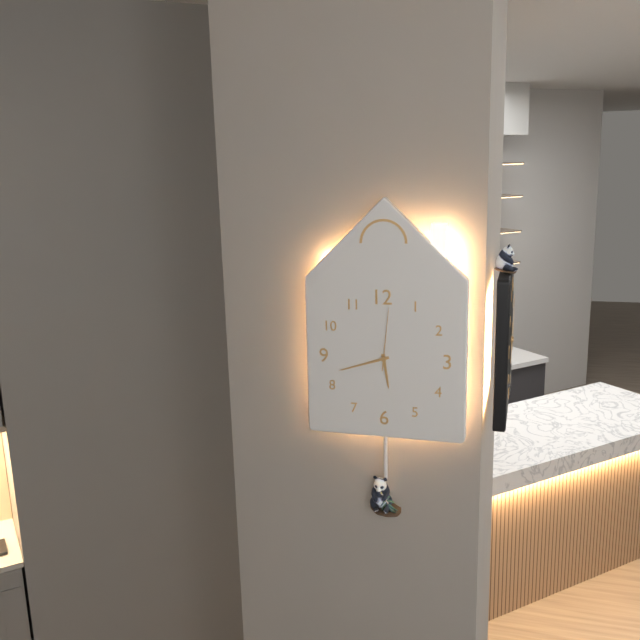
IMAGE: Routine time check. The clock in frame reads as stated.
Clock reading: 5:42:01
